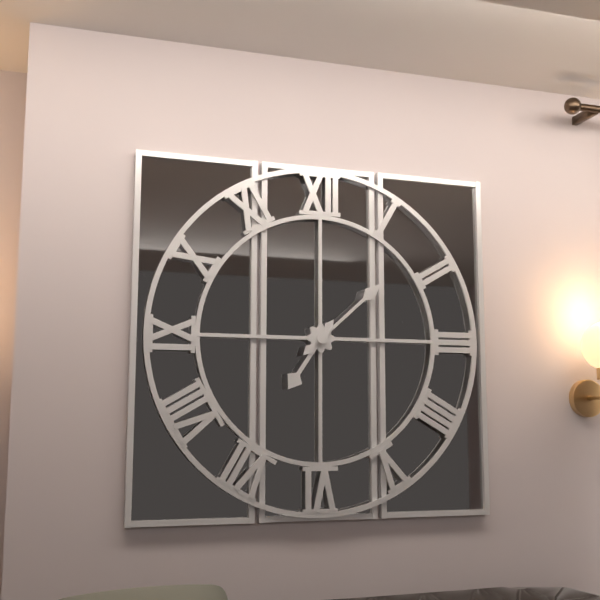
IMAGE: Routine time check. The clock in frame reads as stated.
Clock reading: 7:08
